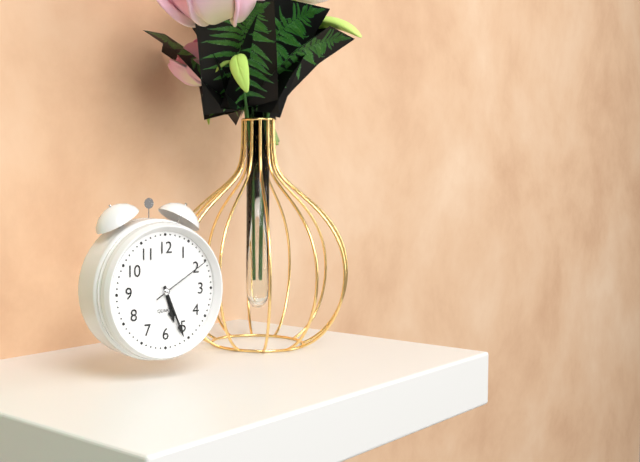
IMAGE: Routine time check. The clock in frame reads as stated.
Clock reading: 5:26:10
